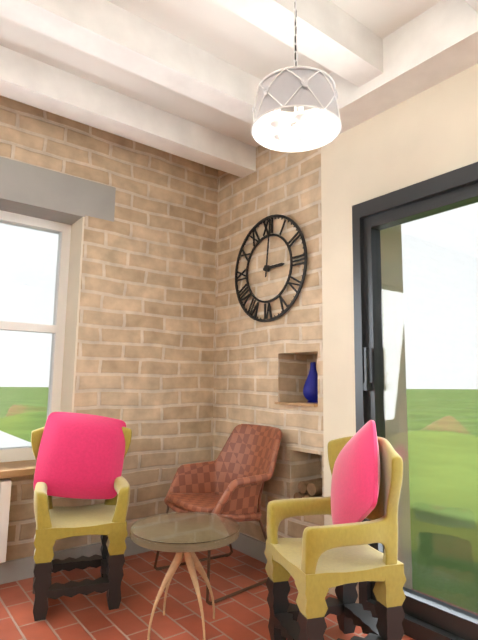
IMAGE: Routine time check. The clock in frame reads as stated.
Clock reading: 3:01
